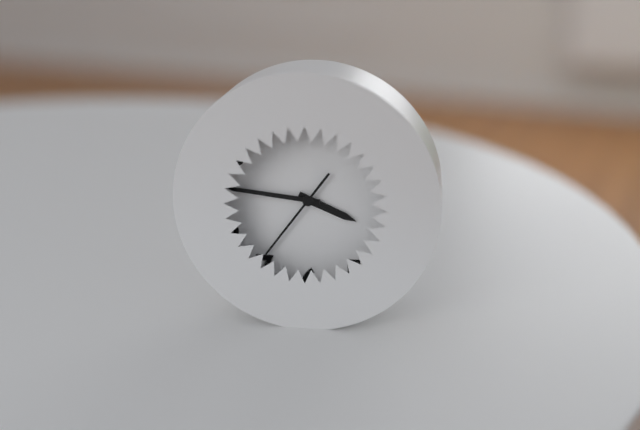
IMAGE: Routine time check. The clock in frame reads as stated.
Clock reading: 3:46:36
